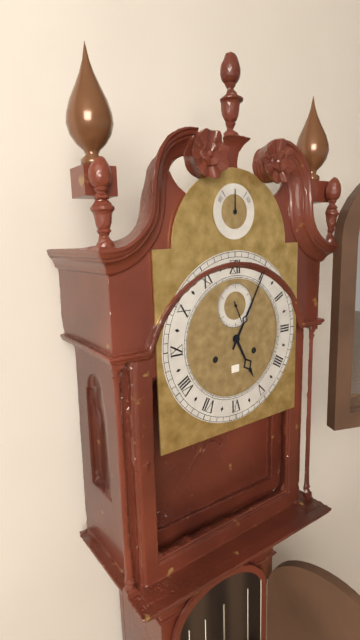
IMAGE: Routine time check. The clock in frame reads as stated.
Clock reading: 5:05
